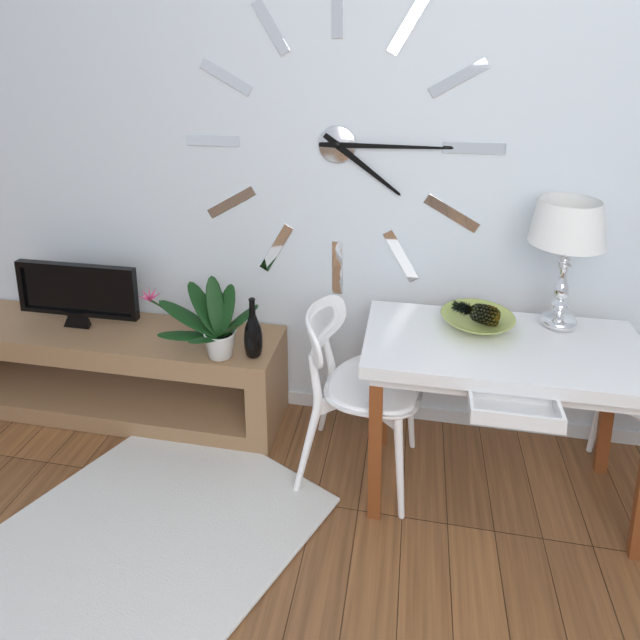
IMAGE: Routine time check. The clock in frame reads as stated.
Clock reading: 4:15
